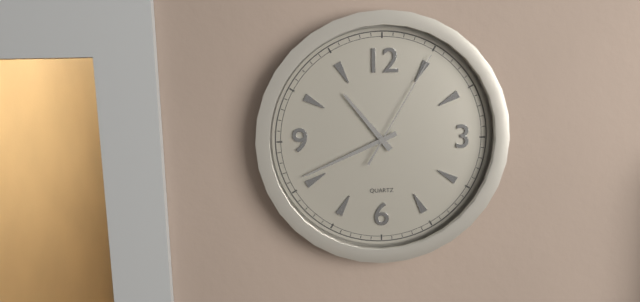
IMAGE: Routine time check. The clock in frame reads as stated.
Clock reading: 10:41:05
